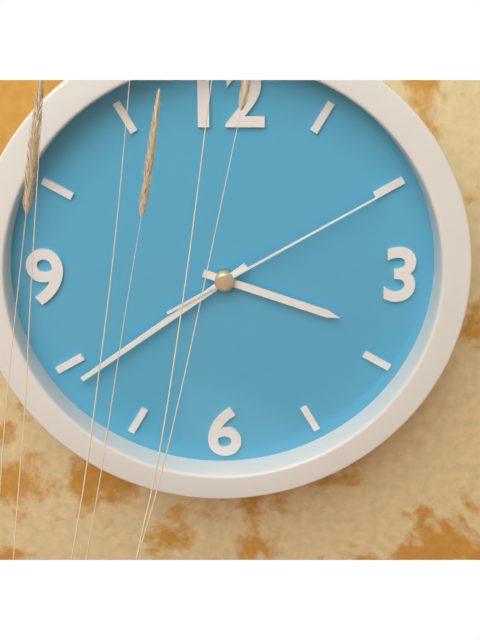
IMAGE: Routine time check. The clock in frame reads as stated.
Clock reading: 3:39:10
